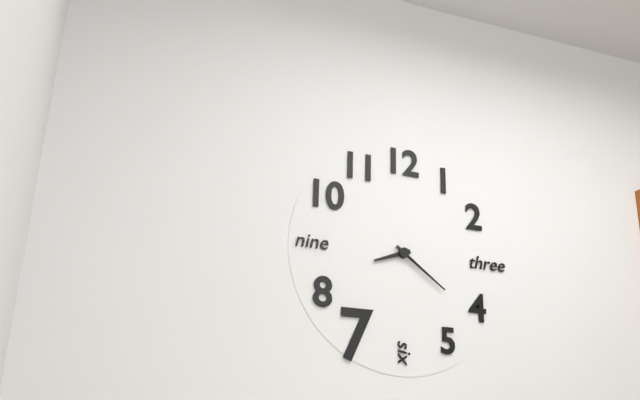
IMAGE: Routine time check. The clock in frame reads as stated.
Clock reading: 8:21
